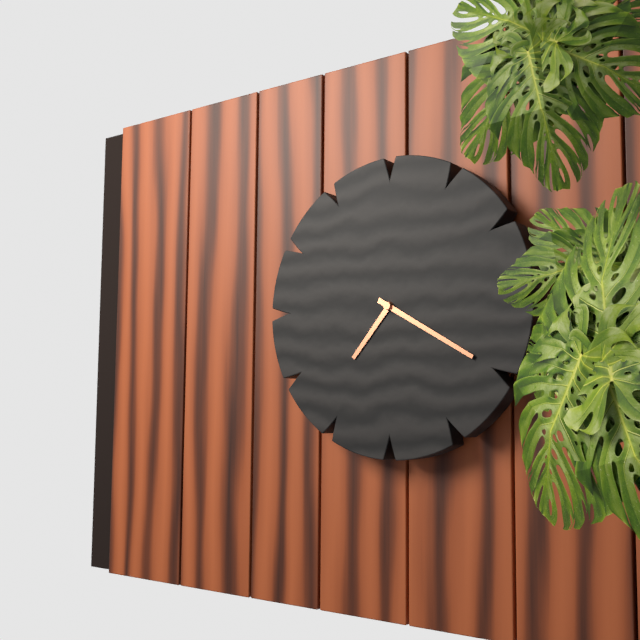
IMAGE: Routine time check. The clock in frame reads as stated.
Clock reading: 7:20
